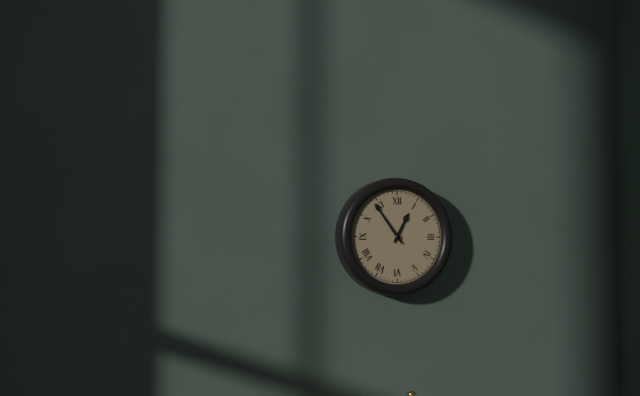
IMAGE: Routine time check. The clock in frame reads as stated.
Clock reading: 12:54
